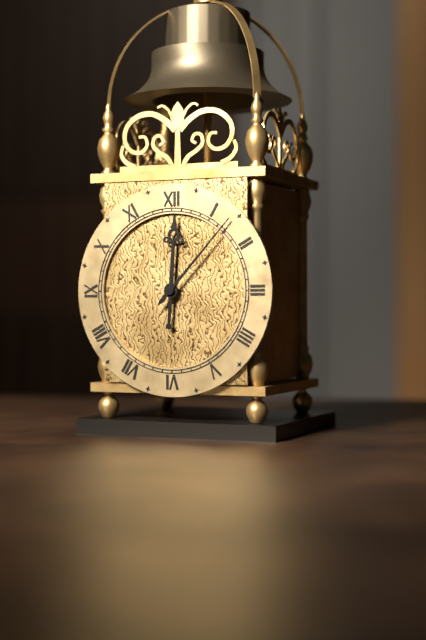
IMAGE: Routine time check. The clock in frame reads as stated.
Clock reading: 12:07
